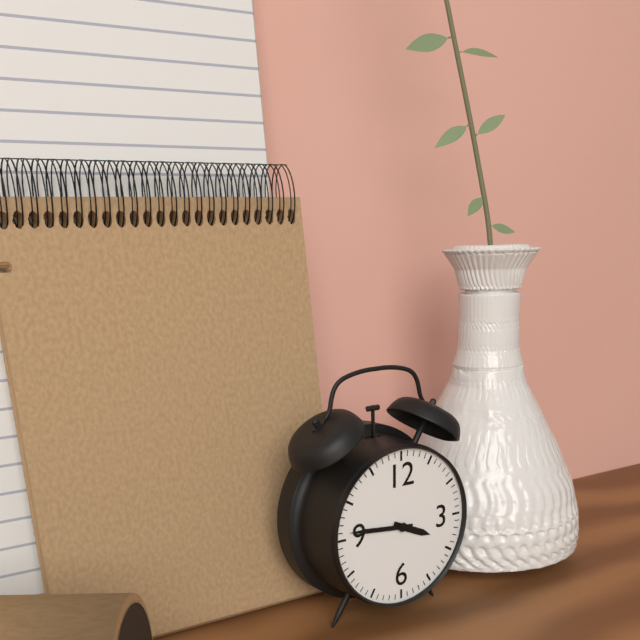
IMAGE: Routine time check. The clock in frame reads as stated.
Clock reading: 3:46
